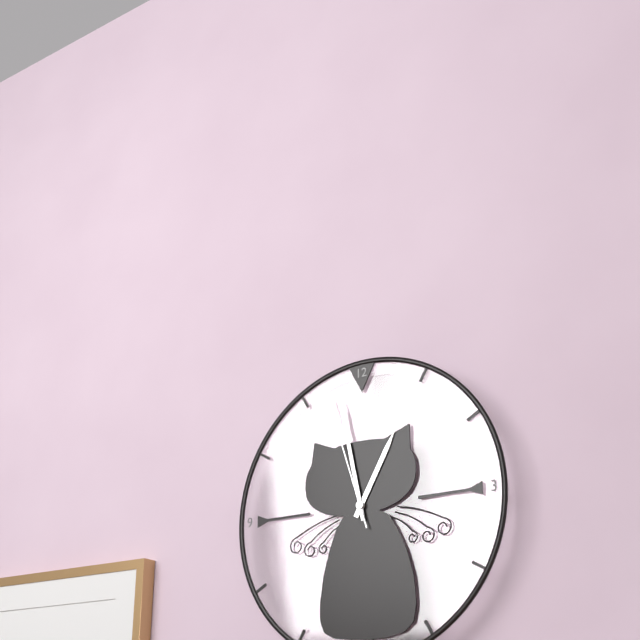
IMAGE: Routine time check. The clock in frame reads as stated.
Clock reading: 12:58:57
